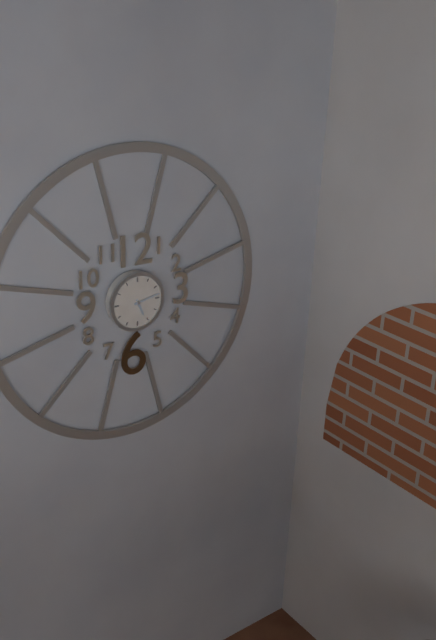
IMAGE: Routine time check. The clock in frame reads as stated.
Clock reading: 5:13
